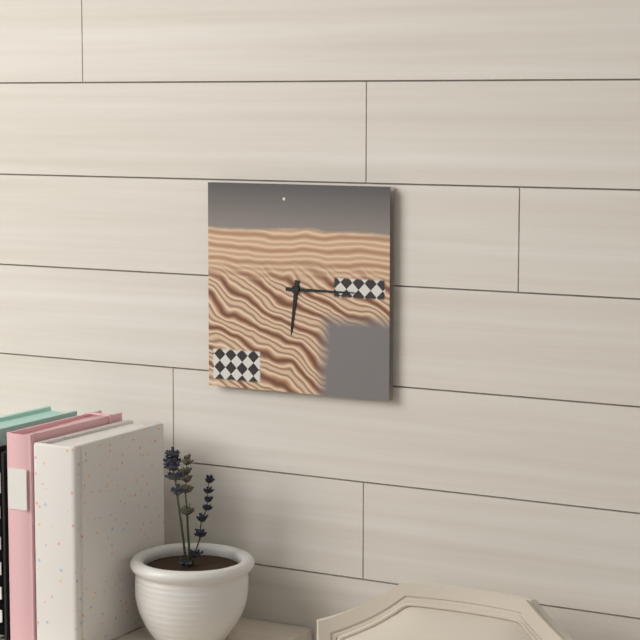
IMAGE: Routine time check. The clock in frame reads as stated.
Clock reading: 6:15
